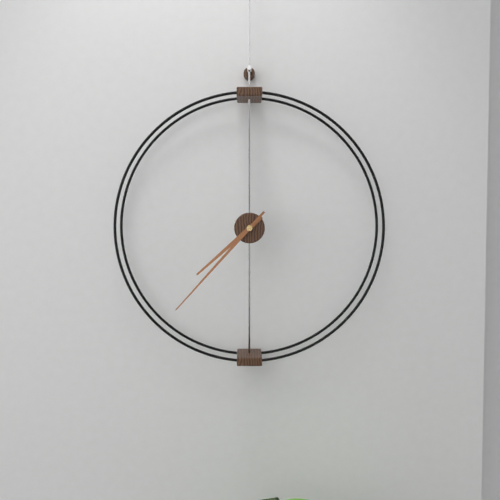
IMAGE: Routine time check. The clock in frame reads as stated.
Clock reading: 7:37
